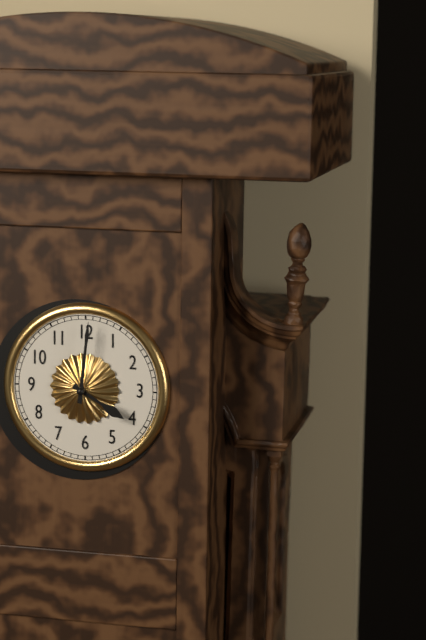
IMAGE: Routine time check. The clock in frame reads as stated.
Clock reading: 4:01
